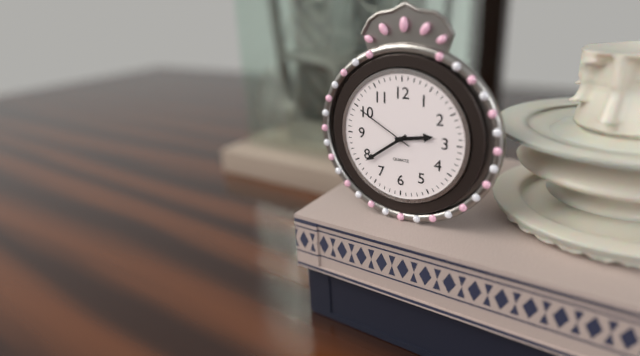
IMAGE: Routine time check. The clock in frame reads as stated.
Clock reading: 2:39:50
